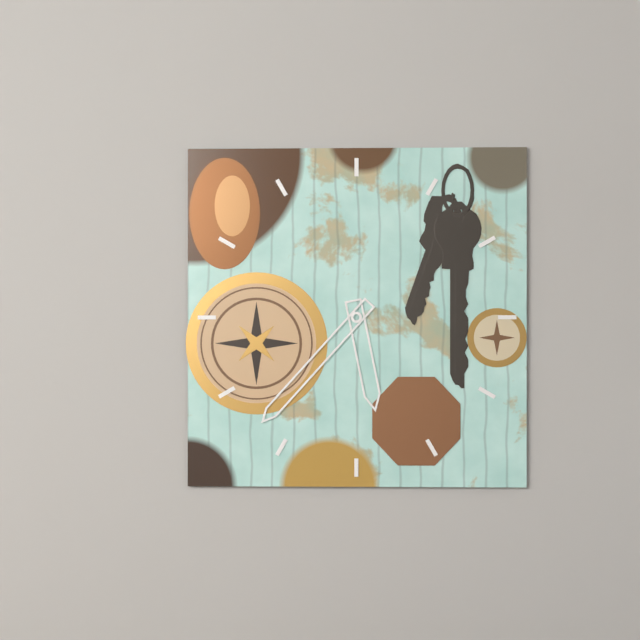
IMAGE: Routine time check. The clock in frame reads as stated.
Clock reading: 5:37
